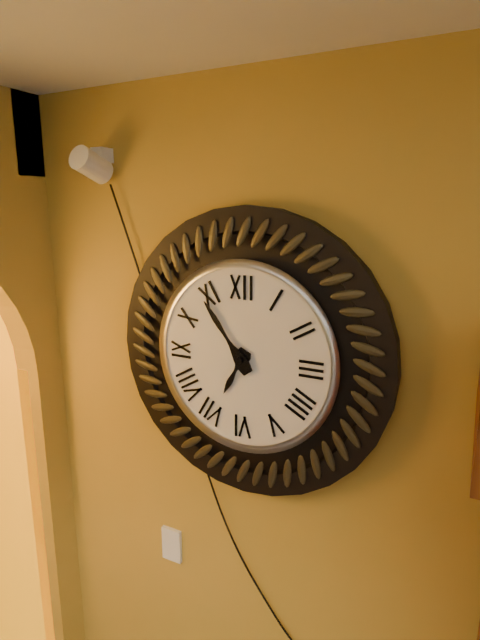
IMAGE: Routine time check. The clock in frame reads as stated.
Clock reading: 6:54
